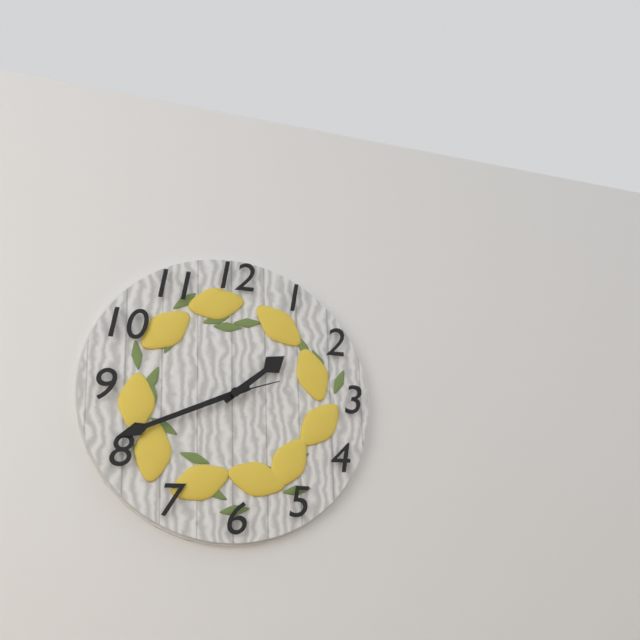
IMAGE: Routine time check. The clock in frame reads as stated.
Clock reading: 1:41:12
